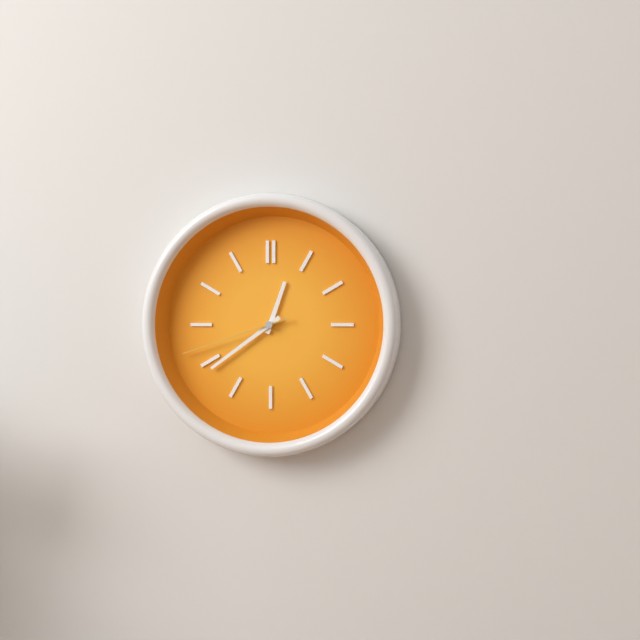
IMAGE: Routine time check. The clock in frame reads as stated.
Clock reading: 12:39:42
